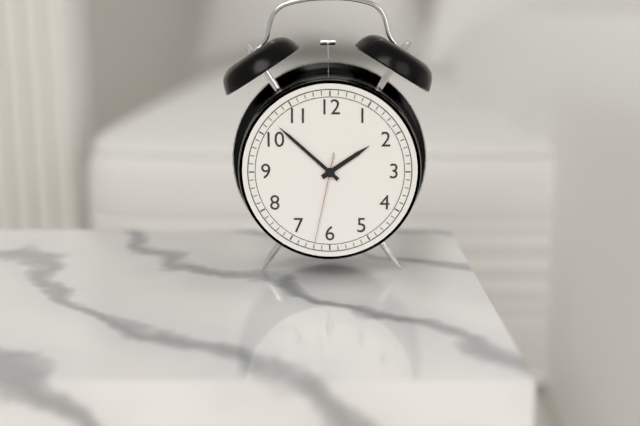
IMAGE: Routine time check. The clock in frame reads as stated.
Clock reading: 1:52:32
